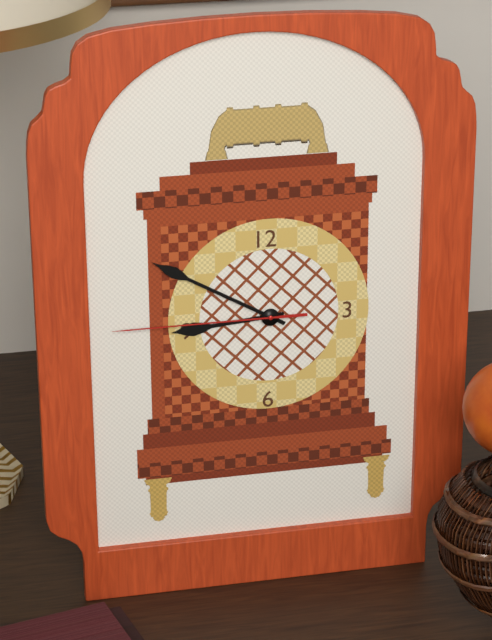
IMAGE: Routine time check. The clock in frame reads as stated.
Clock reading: 8:50:45
